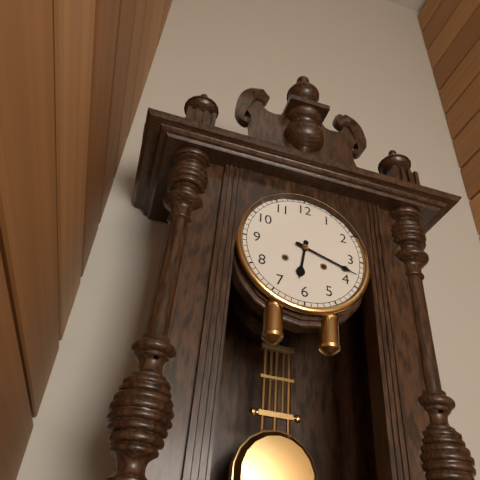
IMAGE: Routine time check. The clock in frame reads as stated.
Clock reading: 6:18
